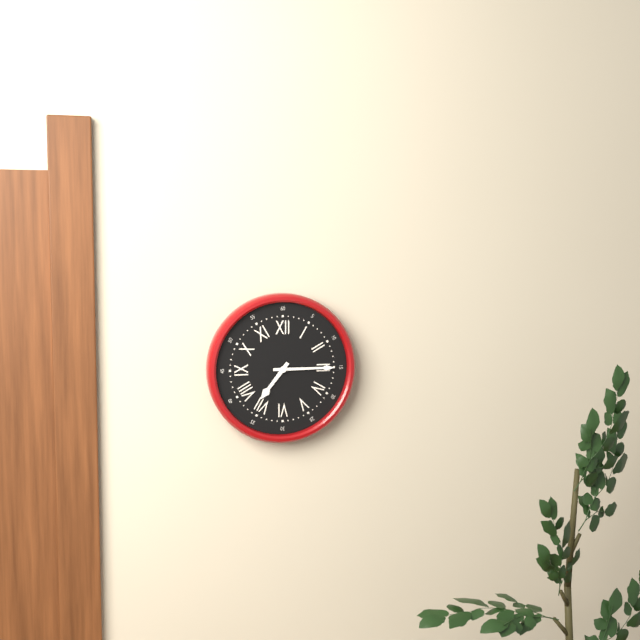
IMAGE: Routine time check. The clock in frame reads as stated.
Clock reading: 7:15
